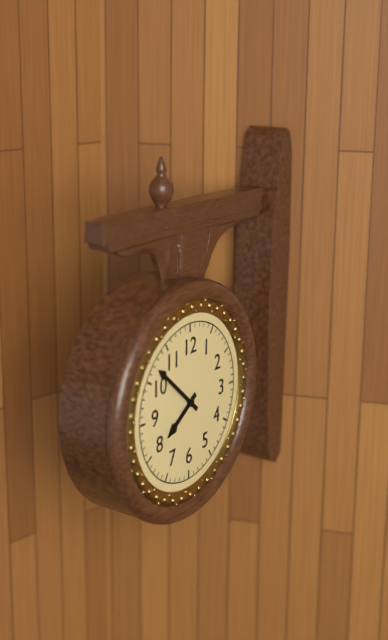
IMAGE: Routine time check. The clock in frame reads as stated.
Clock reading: 7:52
